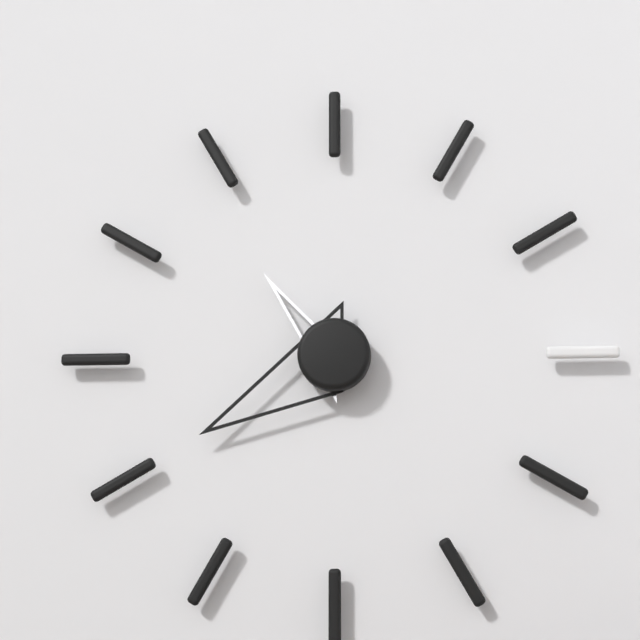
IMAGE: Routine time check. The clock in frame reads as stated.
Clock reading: 10:40
